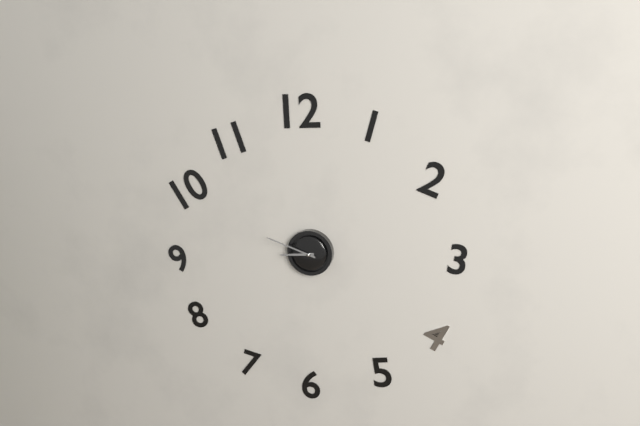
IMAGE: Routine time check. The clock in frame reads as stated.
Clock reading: 8:48
